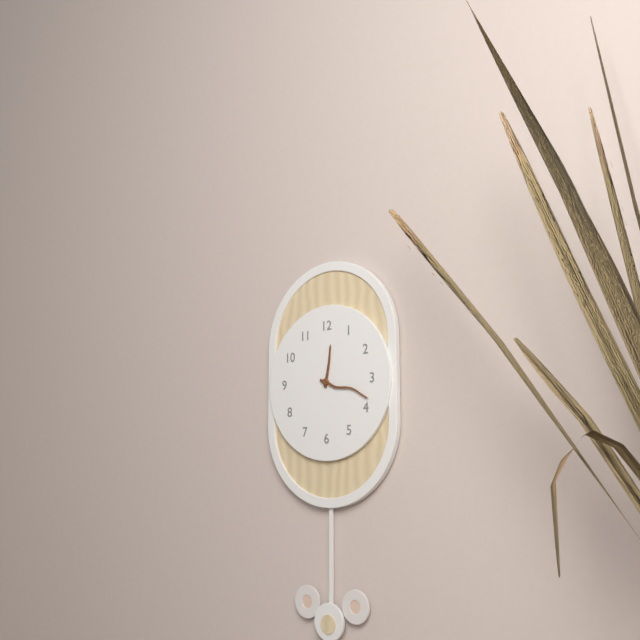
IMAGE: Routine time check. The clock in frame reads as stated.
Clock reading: 12:18
